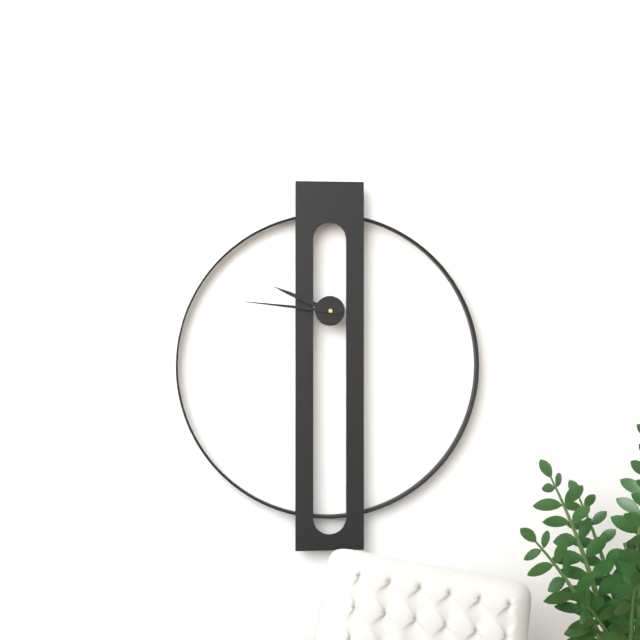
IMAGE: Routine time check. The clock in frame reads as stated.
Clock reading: 9:46
